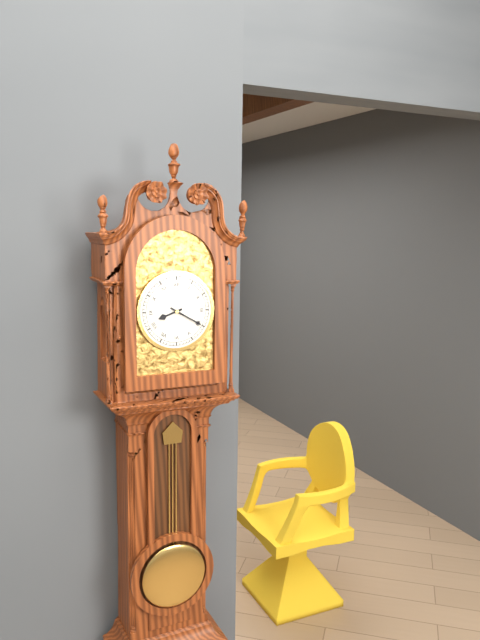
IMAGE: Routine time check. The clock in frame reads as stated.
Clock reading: 8:20
